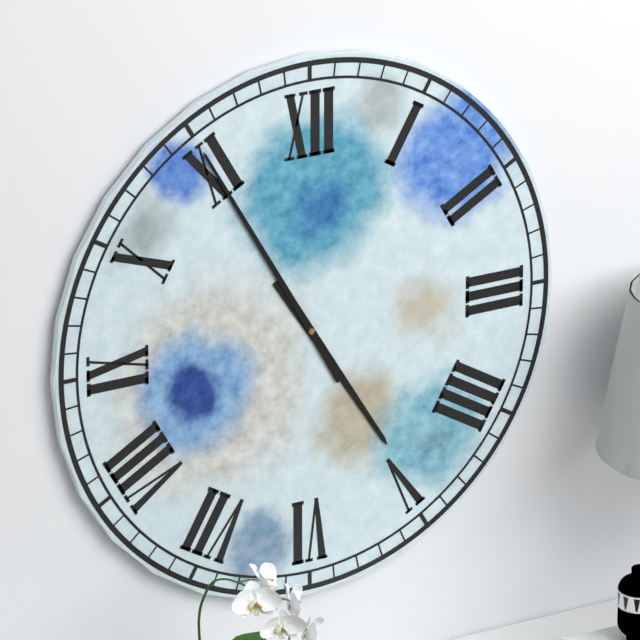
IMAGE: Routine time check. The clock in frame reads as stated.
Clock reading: 4:55
